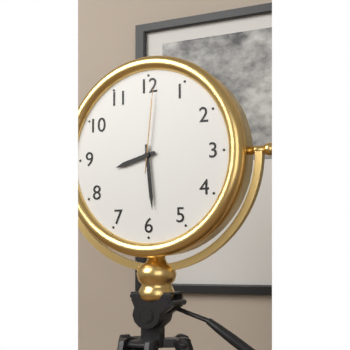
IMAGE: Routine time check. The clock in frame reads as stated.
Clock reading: 8:29:01
